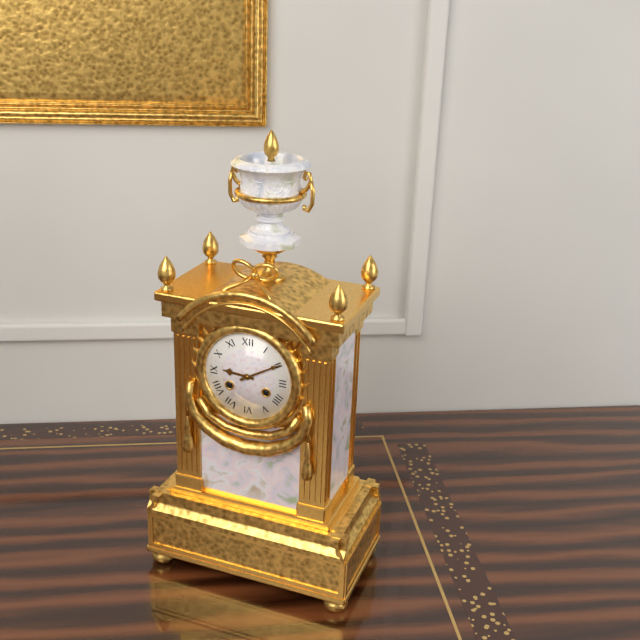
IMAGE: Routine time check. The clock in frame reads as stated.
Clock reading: 9:10
